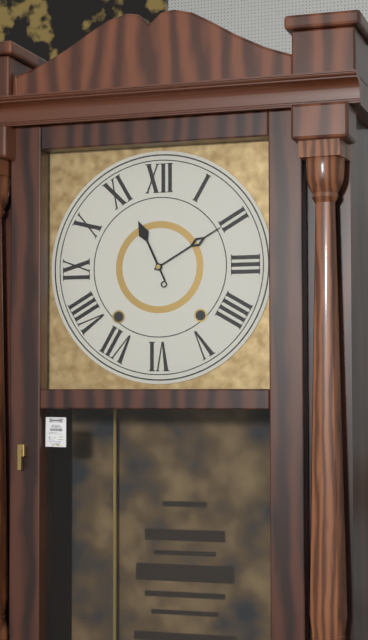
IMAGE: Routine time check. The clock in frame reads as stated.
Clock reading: 11:10
